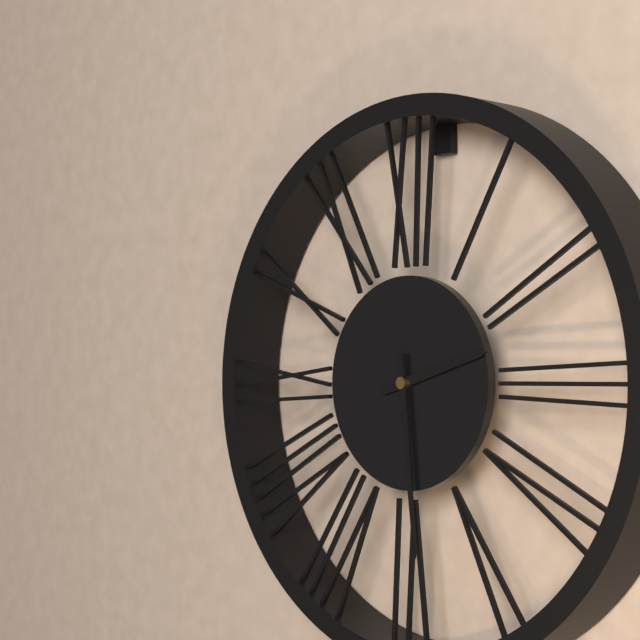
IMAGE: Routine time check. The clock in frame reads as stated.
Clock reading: 2:29
